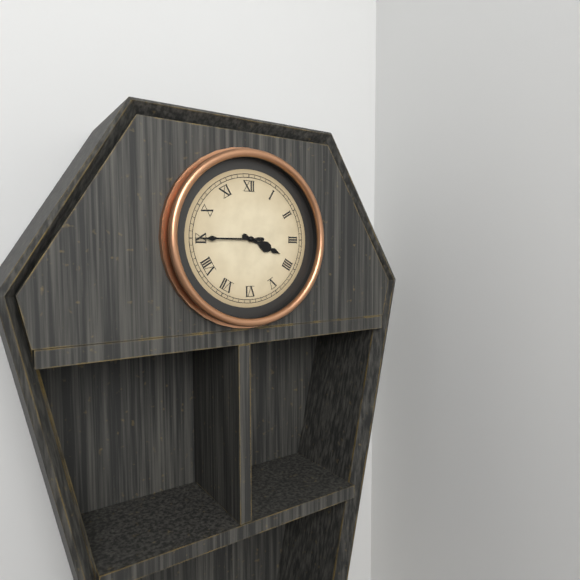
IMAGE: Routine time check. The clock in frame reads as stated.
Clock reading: 3:45
